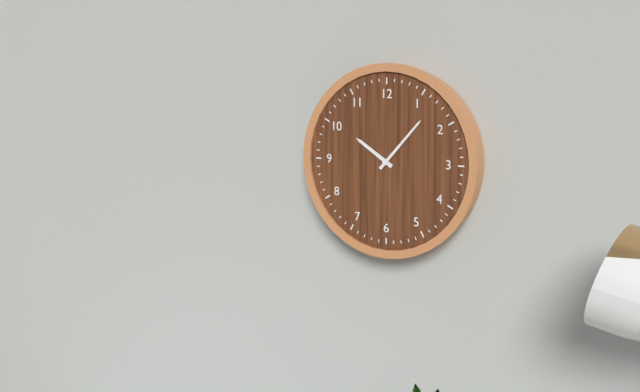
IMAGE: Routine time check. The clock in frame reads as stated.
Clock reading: 10:07
